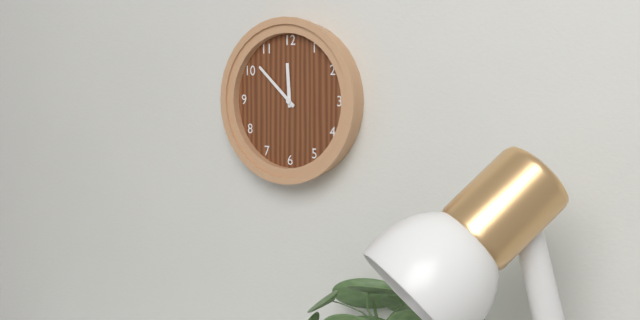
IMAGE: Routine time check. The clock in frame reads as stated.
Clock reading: 11:52
